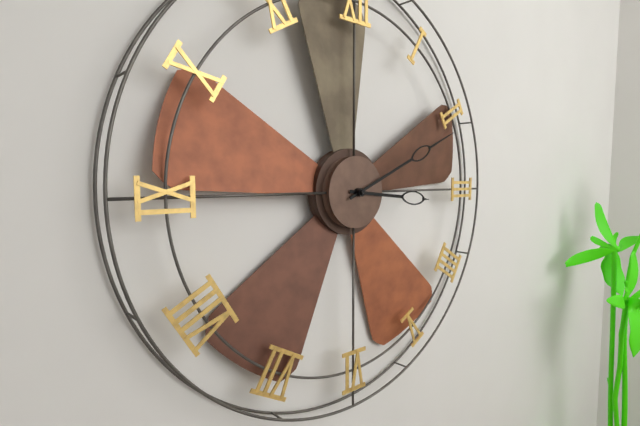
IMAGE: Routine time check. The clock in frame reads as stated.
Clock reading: 3:11
